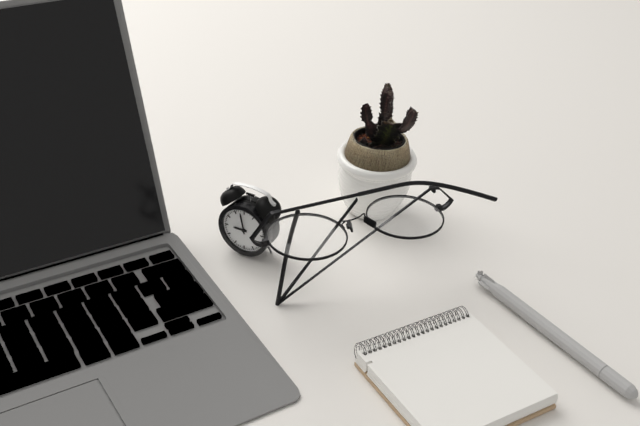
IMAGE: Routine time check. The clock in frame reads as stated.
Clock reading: 8:58
